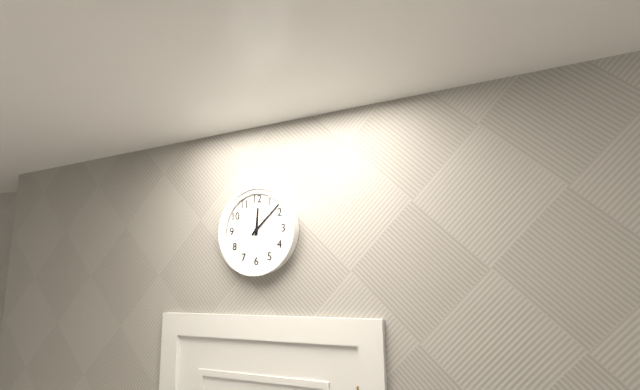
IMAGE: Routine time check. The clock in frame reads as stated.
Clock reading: 12:08
